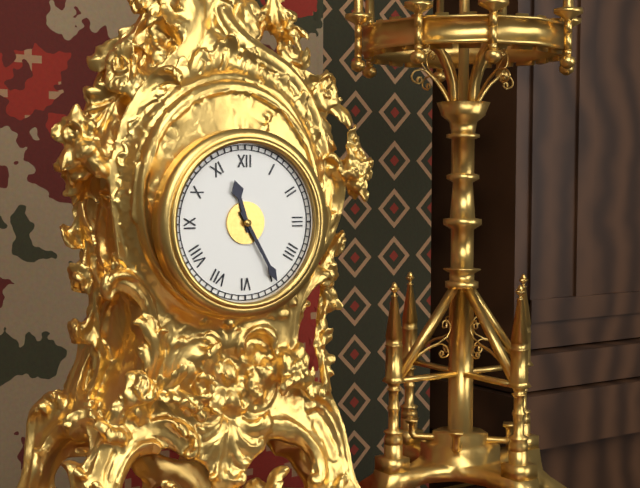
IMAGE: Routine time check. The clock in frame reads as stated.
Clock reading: 11:25
